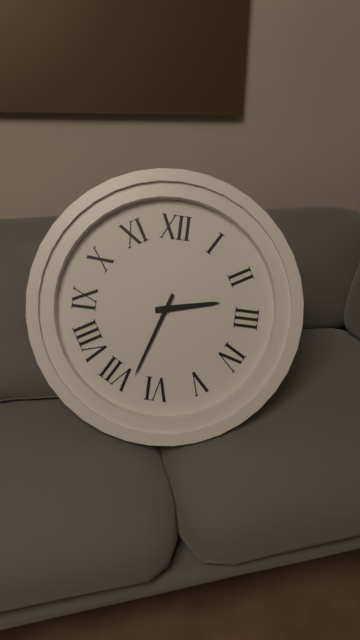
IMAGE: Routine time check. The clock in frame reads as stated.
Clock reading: 2:33
